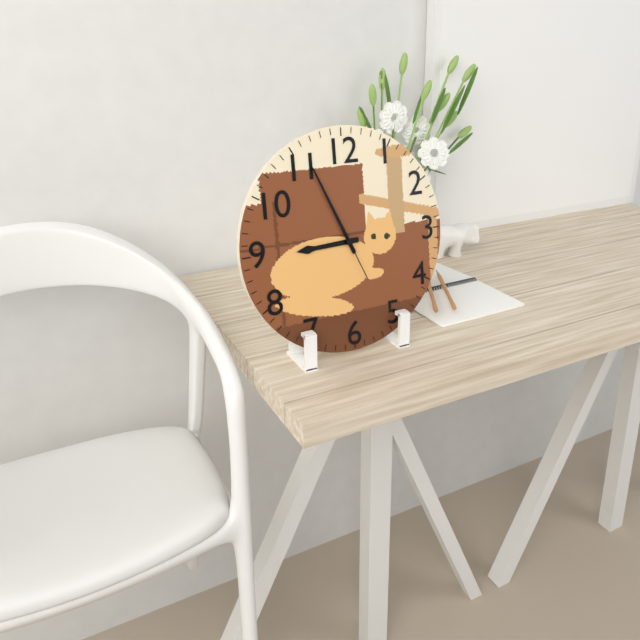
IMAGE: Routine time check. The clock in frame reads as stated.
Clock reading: 8:56:26
